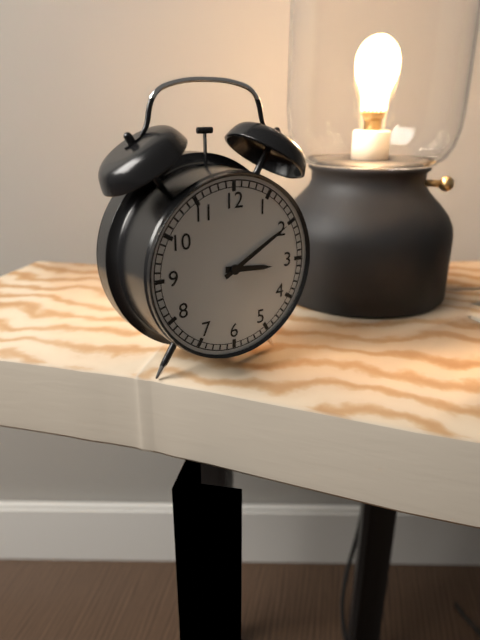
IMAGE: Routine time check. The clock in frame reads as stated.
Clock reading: 3:10
